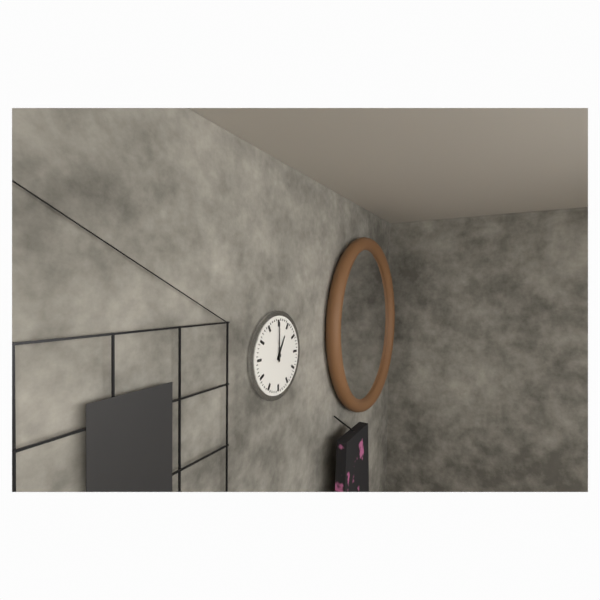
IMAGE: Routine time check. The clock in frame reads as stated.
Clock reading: 1:00
